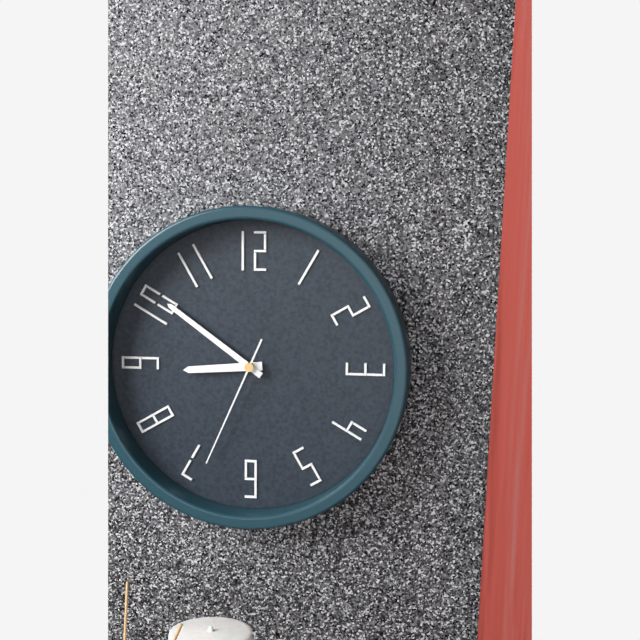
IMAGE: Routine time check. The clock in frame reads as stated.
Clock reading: 8:51:34
